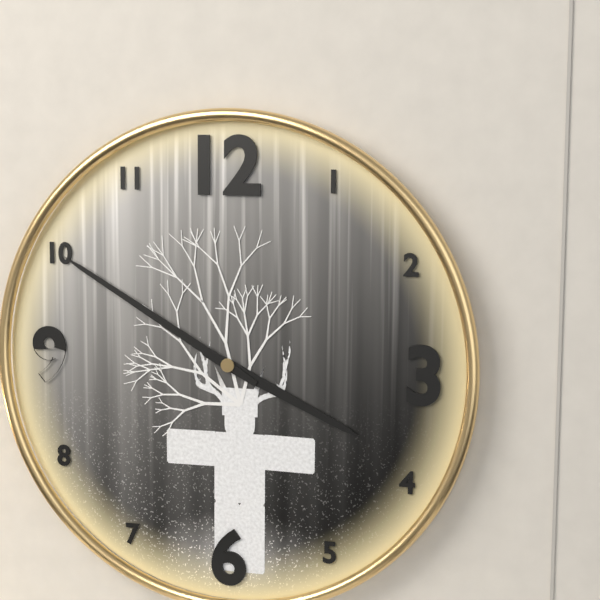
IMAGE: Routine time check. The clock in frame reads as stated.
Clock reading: 3:50
